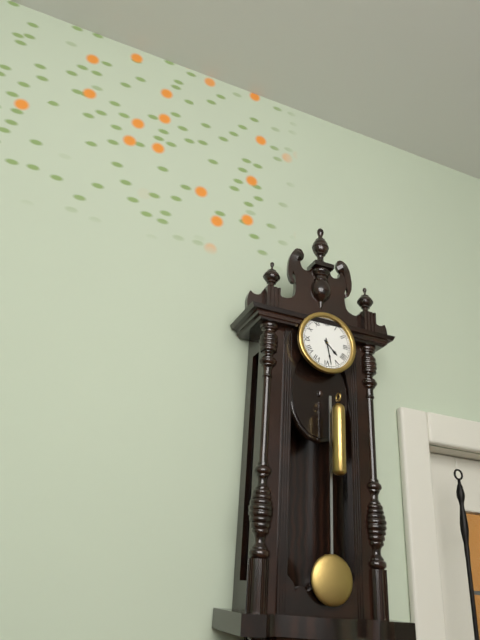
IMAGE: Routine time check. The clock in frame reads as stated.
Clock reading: 4:28
